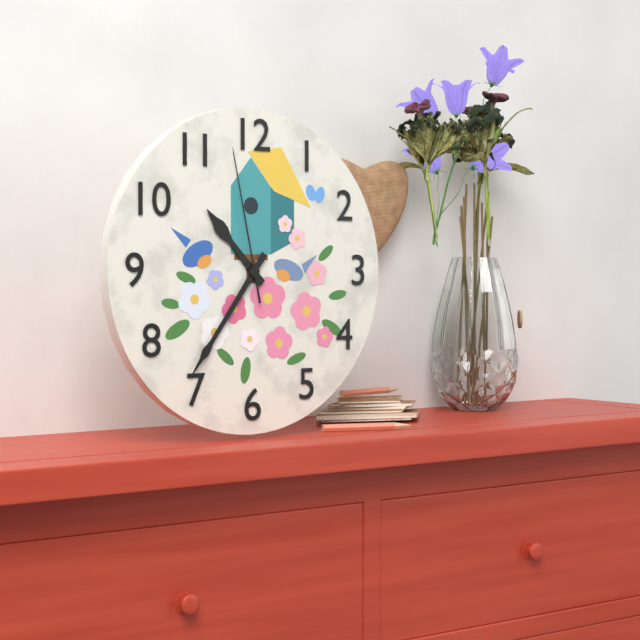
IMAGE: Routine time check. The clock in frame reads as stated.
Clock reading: 10:36:58
